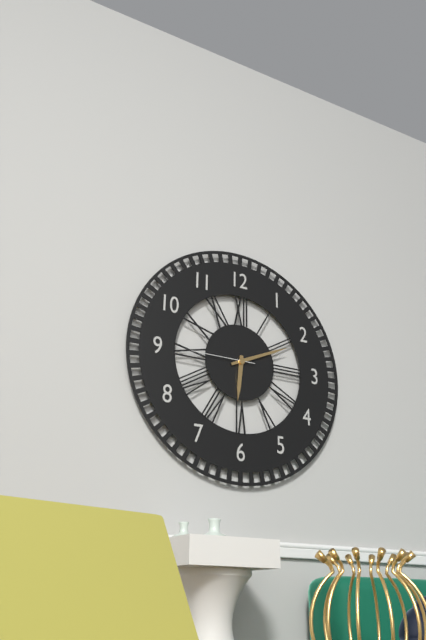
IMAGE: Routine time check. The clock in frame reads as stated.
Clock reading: 6:11:45
